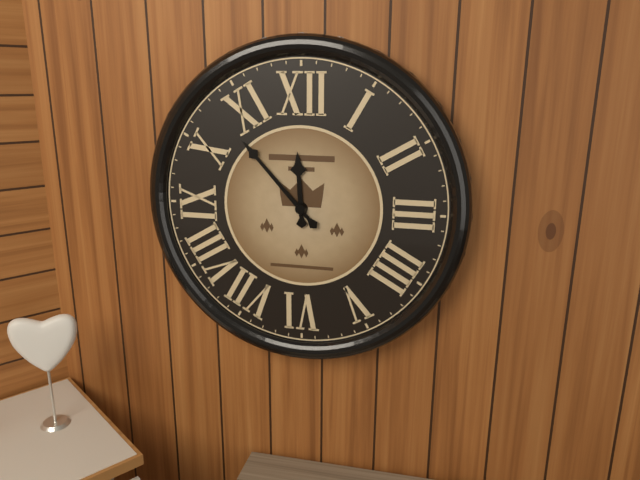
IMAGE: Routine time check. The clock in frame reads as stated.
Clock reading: 11:53
